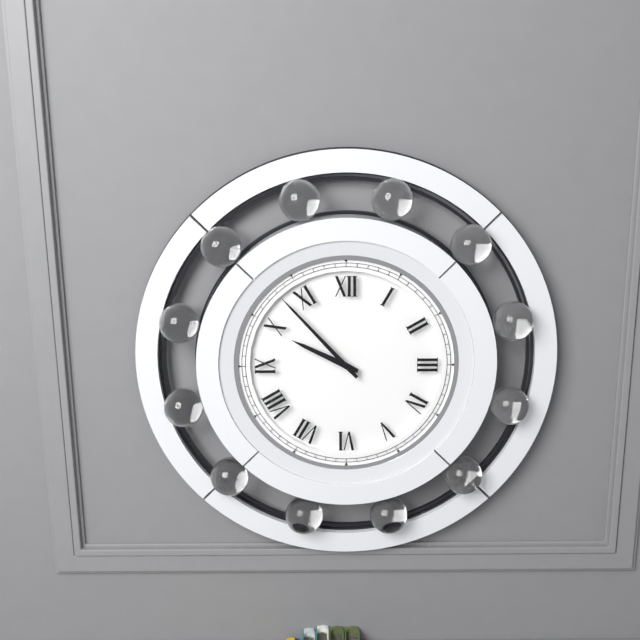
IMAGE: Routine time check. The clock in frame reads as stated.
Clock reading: 9:53
